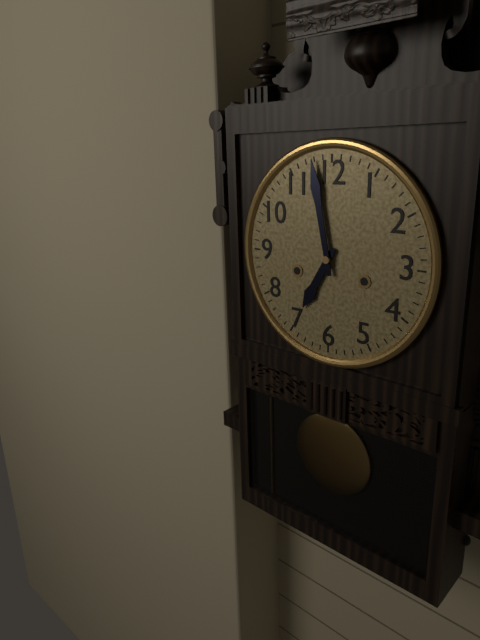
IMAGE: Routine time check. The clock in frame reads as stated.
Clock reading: 6:58
